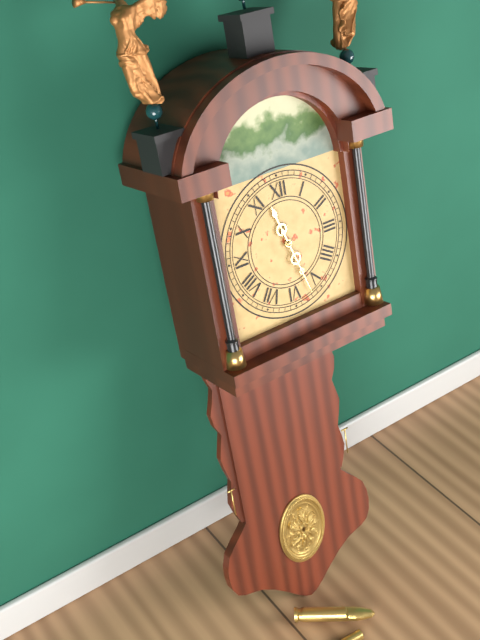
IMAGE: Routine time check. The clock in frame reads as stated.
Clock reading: 11:27
